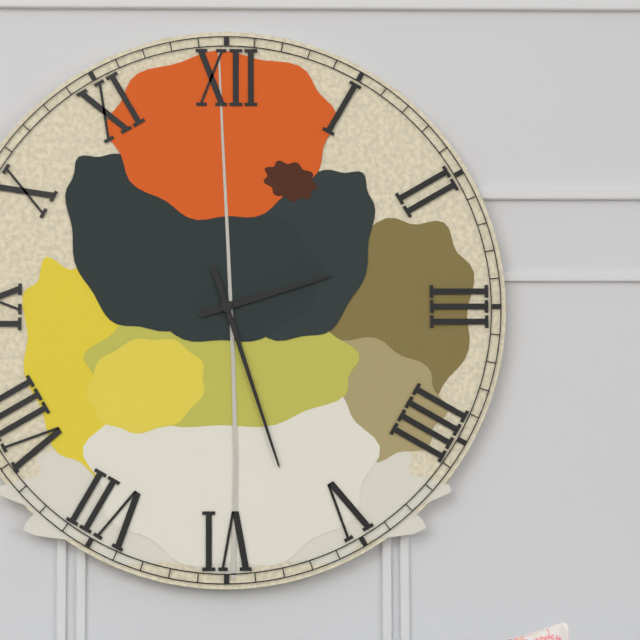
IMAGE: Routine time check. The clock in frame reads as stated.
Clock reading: 2:27
